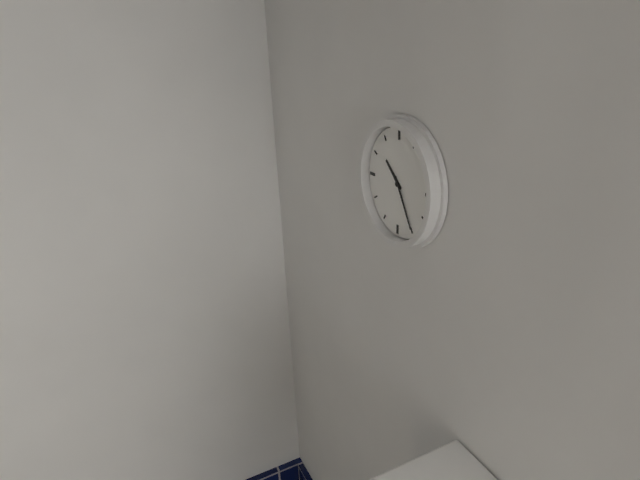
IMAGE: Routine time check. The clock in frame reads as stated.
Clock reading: 10:25
